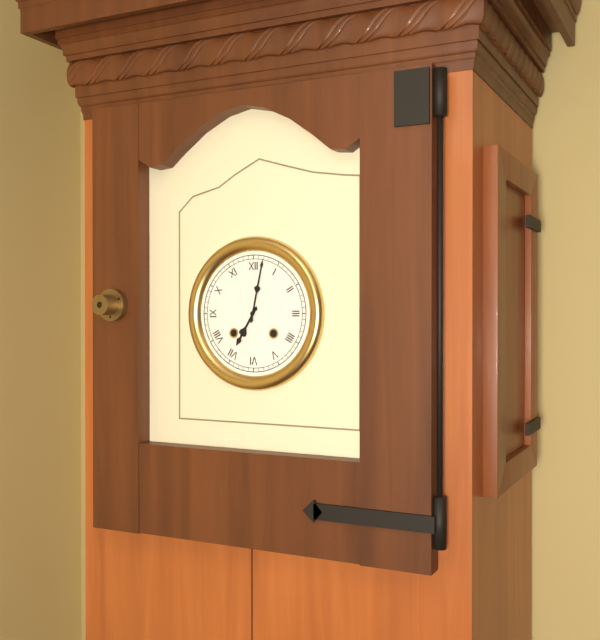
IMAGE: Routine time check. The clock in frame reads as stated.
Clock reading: 7:02
